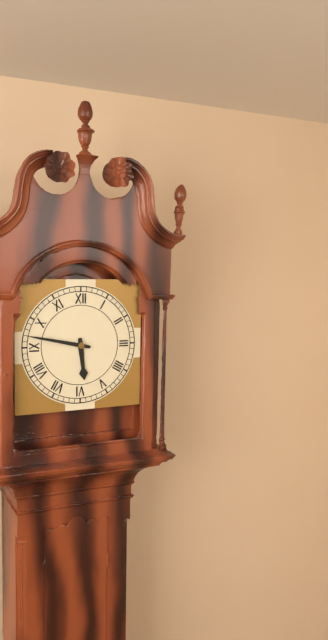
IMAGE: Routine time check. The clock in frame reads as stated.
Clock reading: 5:47
